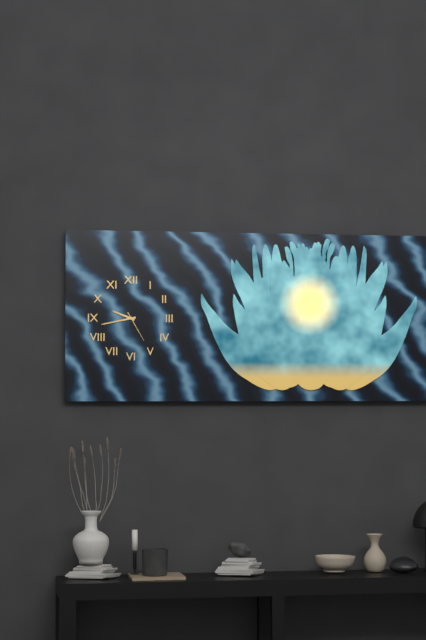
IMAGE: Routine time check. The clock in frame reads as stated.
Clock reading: 9:43
